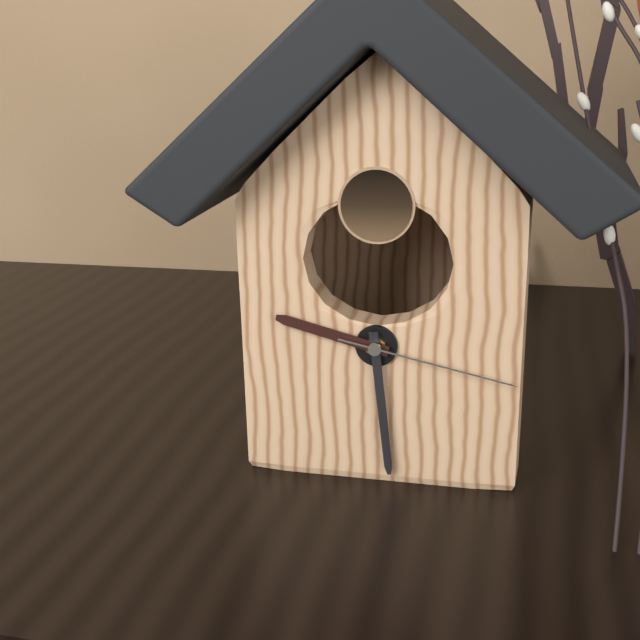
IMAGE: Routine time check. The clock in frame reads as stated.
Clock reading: 9:29:17
